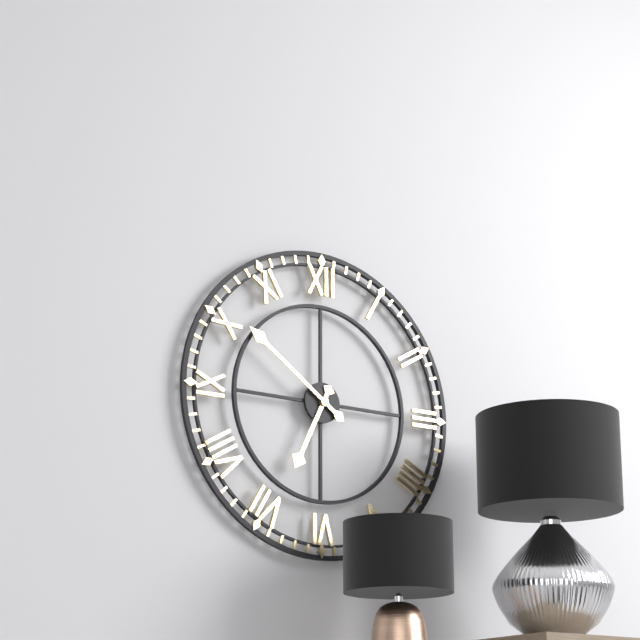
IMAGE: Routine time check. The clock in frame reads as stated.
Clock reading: 6:51
